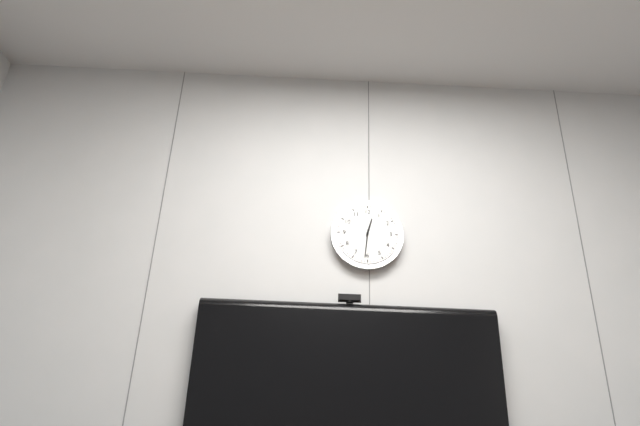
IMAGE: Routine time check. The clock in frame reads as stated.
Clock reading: 12:31
